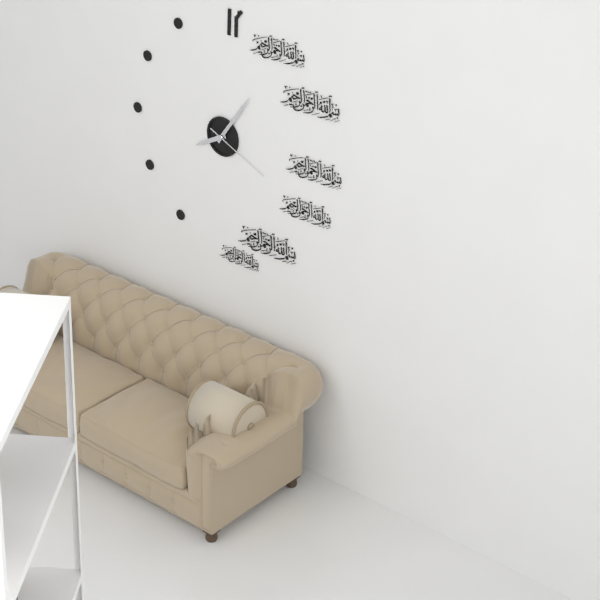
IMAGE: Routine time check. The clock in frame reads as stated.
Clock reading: 8:06:19
